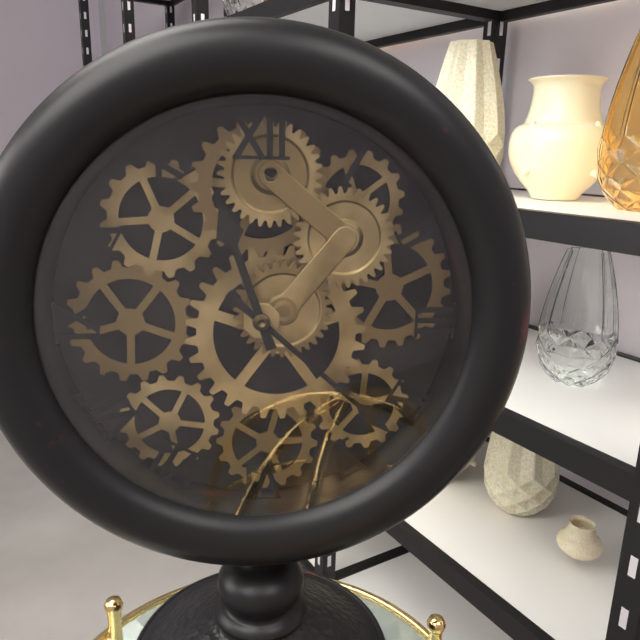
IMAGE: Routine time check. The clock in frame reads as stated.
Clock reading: 11:22
